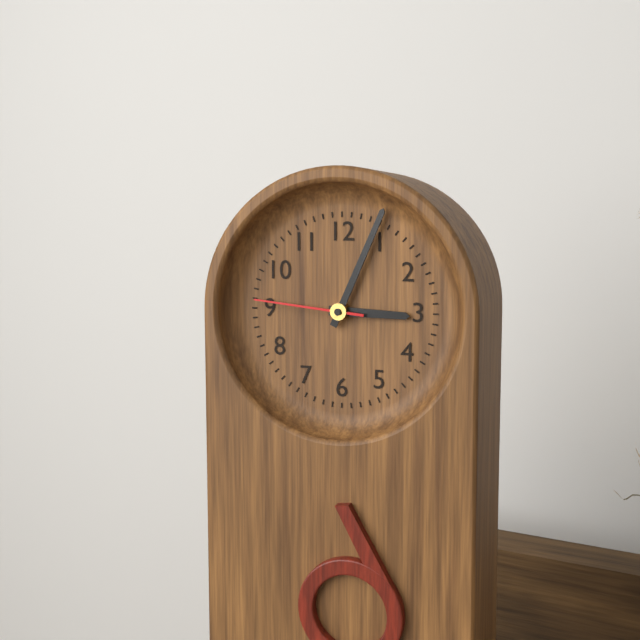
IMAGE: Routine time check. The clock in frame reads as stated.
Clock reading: 3:04:46
